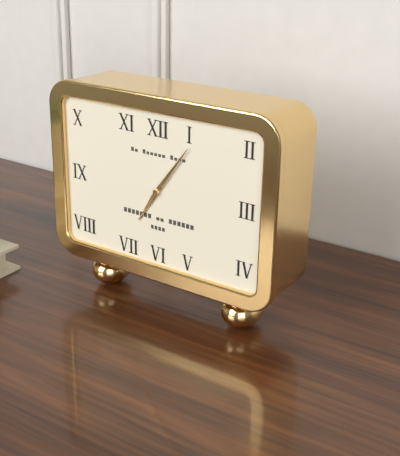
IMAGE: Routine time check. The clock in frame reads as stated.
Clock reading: 7:06
